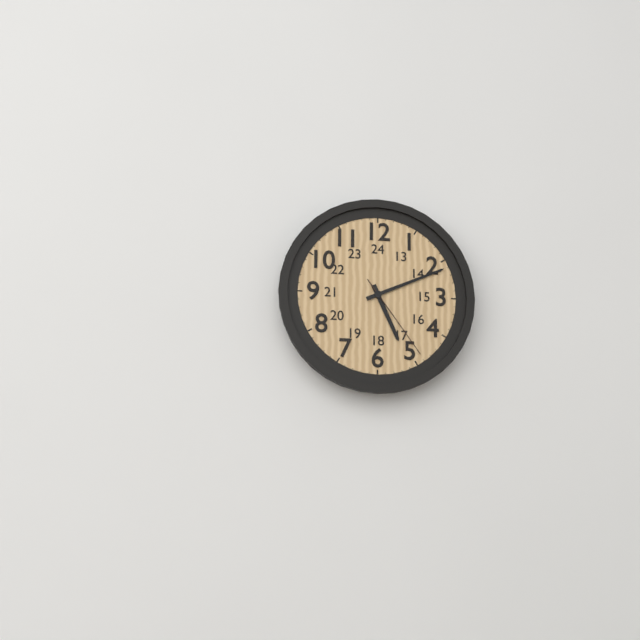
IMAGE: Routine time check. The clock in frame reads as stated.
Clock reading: 5:11:24
